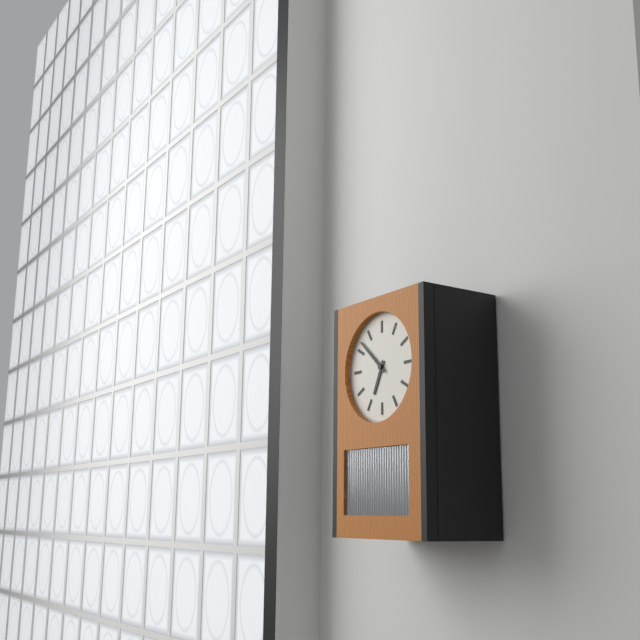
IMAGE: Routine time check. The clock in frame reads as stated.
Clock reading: 6:52
